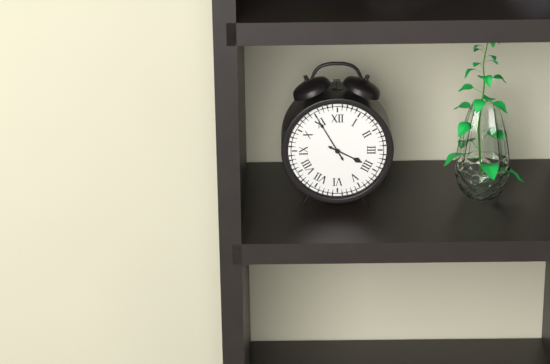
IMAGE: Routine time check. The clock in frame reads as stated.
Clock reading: 3:55
